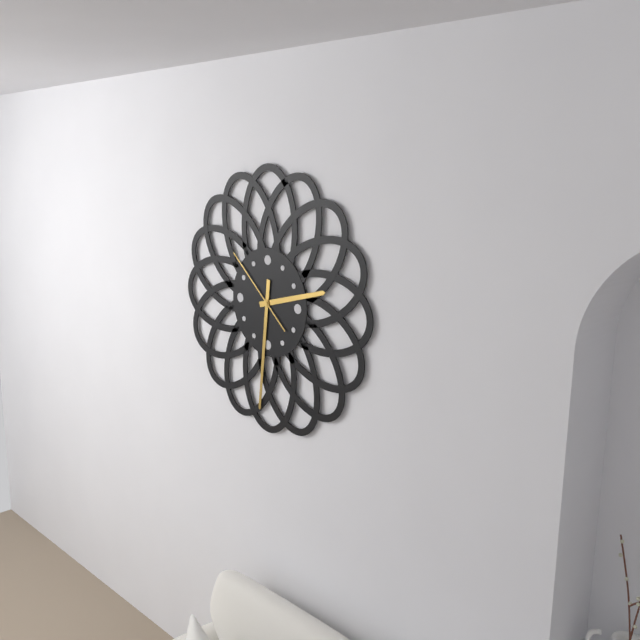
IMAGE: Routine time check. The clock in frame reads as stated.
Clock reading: 2:31:52
